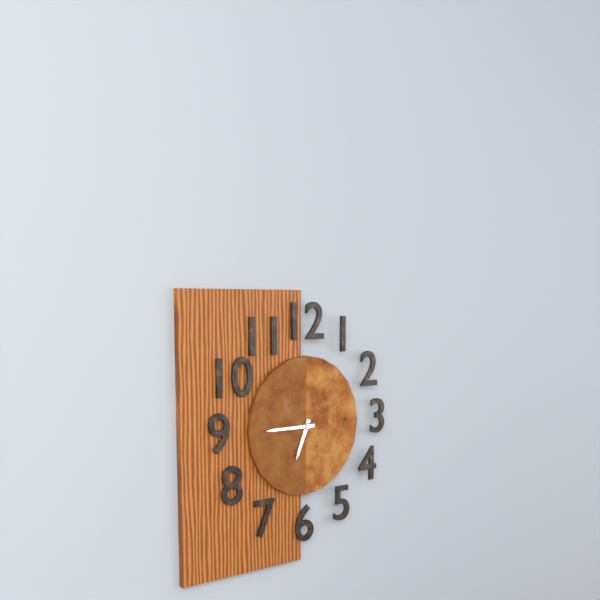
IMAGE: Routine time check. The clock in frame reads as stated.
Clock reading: 6:45
